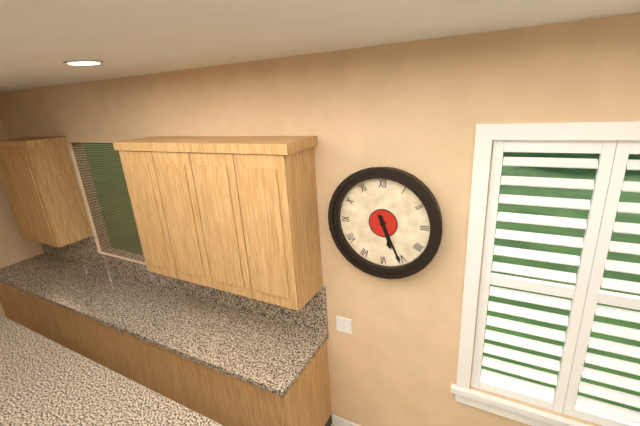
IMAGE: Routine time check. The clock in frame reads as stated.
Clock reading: 5:26
